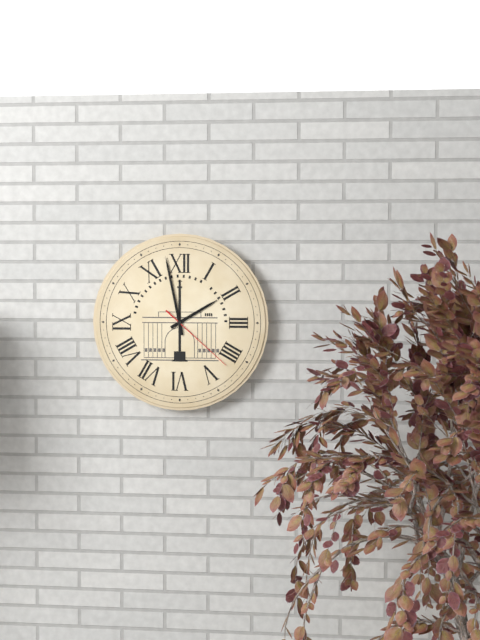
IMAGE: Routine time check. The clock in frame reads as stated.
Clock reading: 1:58:22
